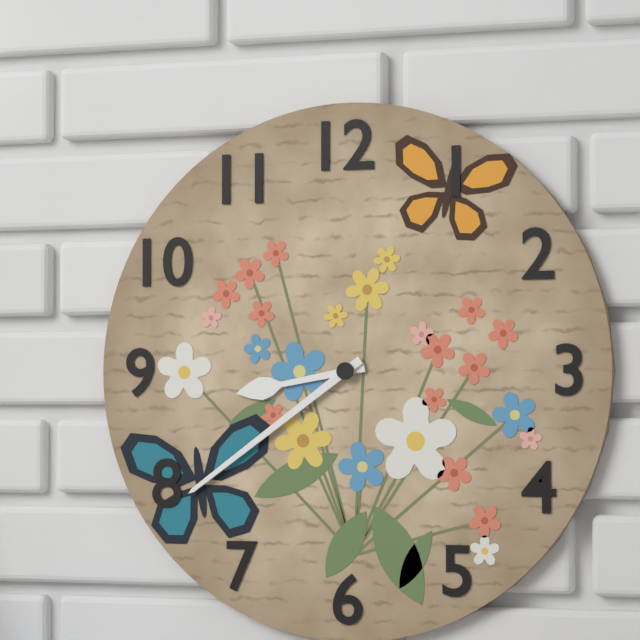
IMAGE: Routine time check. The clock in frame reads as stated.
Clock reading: 8:39
